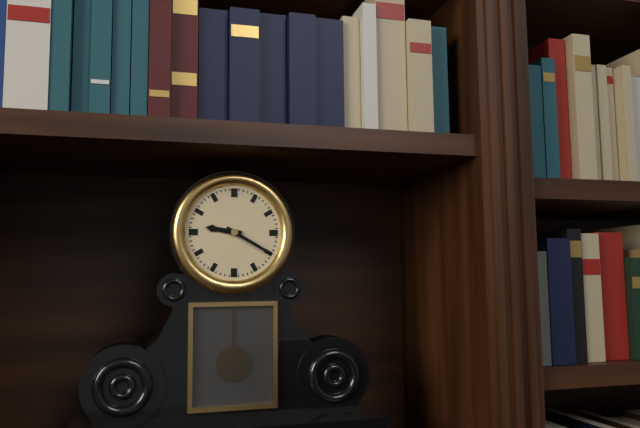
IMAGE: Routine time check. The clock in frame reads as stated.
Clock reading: 9:20
